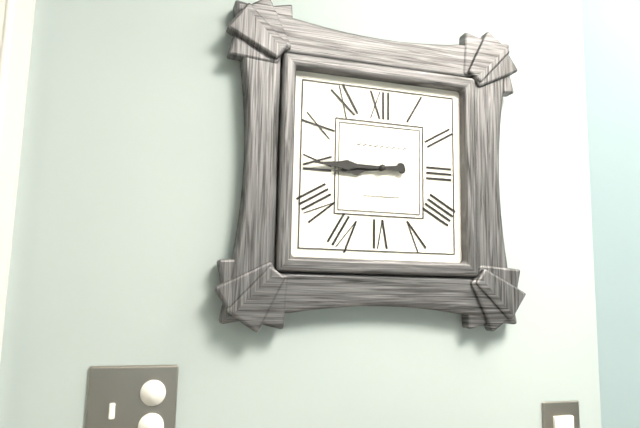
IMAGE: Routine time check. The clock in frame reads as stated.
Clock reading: 8:45
